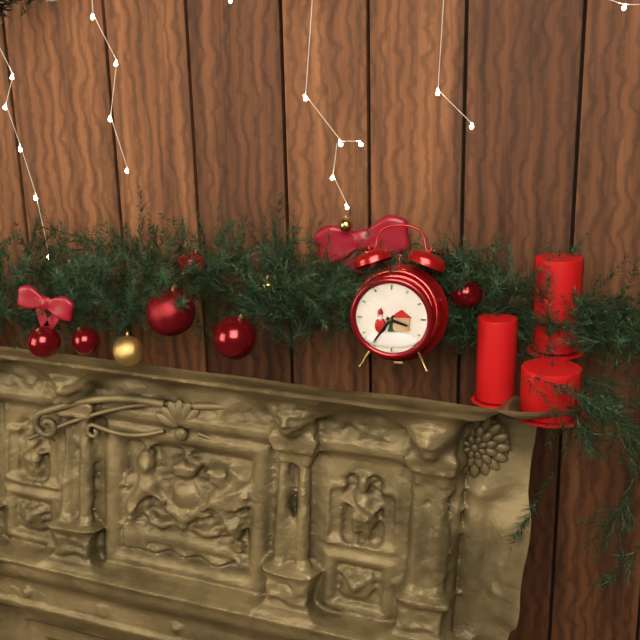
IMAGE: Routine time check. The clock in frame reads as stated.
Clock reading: 3:36
